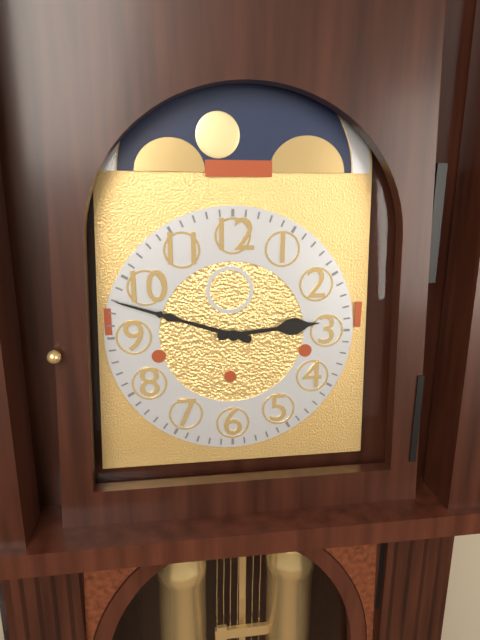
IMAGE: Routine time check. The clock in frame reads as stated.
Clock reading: 2:48
